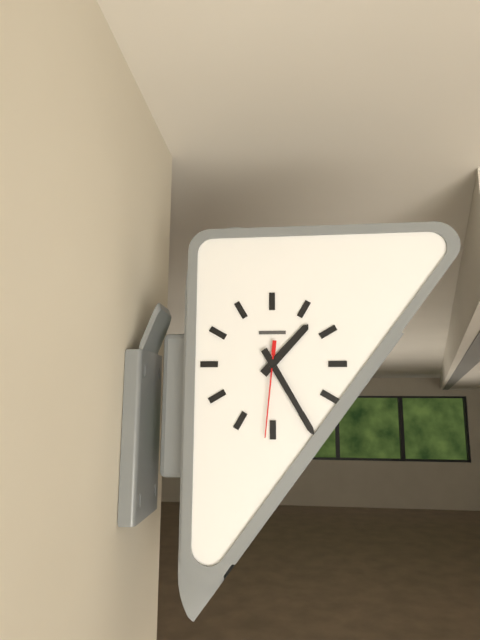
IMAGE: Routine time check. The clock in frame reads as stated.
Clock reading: 1:25:31
